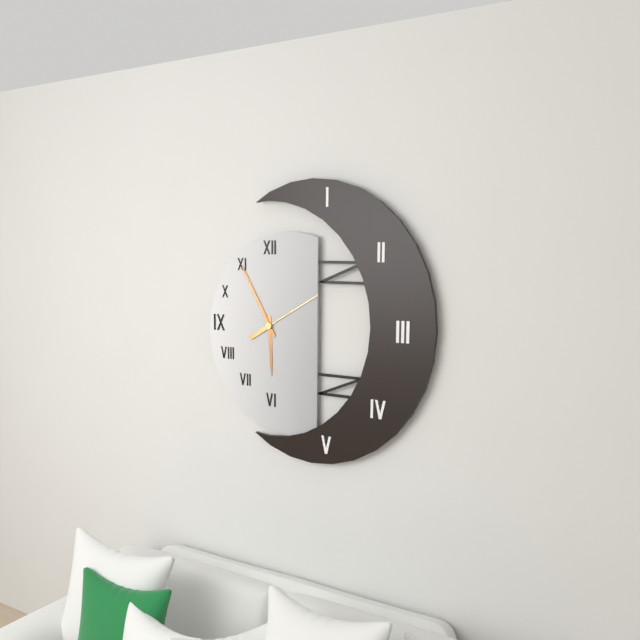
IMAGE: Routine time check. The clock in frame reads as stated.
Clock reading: 5:55:10
